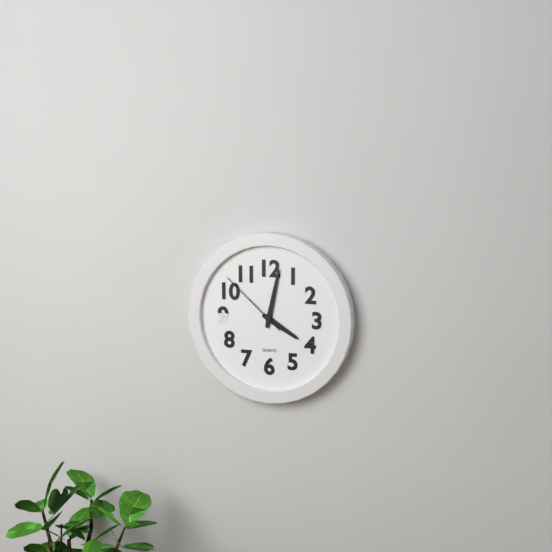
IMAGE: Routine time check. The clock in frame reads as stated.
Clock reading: 4:02:52
